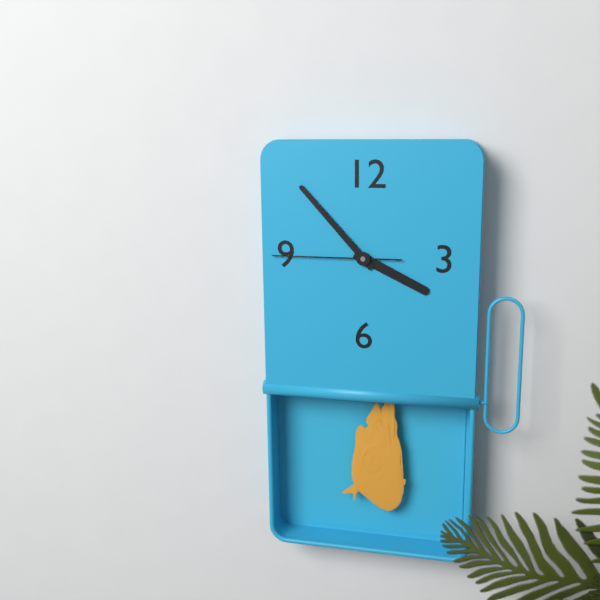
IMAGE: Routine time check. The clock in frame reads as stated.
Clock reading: 3:53:45
